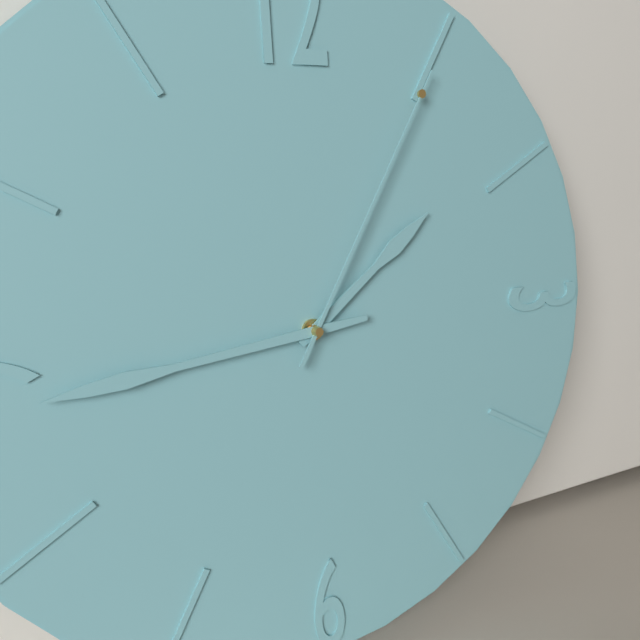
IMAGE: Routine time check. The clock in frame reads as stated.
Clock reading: 1:44:05
